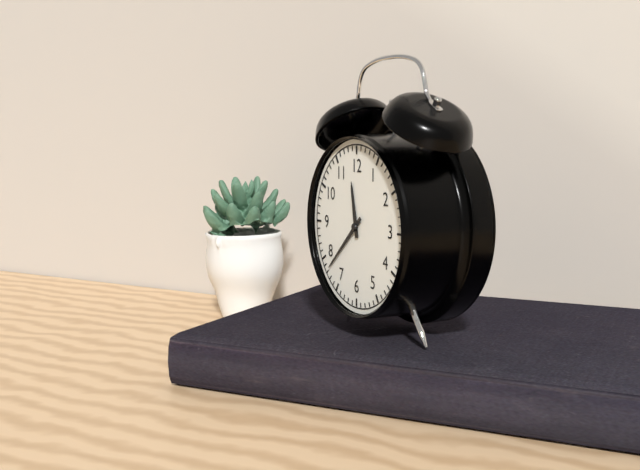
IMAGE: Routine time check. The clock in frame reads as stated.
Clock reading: 11:38
